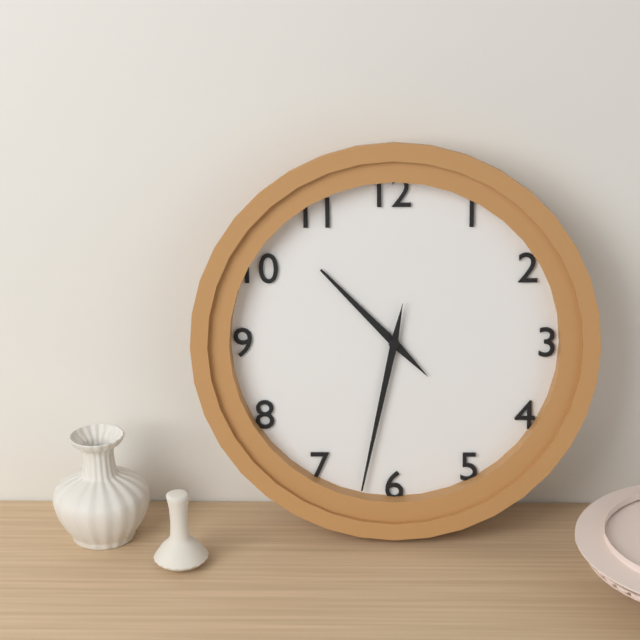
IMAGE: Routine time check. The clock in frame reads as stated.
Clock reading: 10:32
